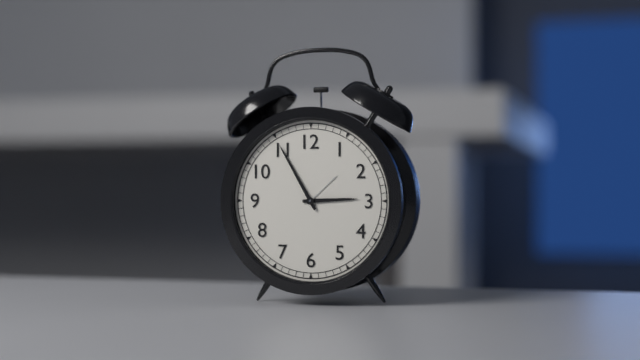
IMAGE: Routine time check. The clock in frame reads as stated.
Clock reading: 2:55
